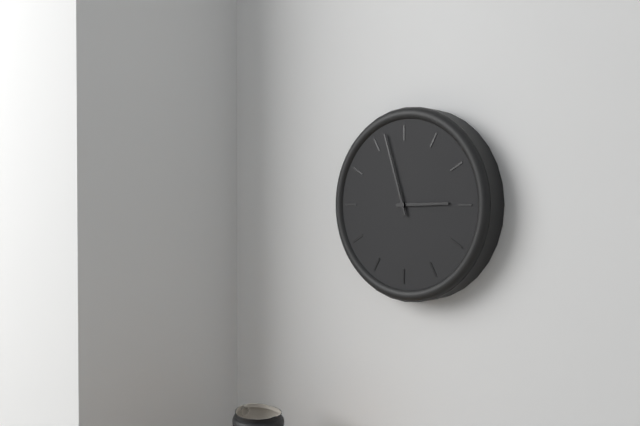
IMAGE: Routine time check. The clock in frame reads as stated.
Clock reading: 2:57
